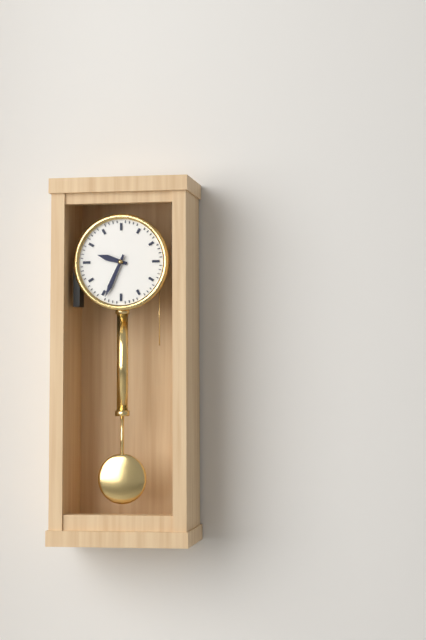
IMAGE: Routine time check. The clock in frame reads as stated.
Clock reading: 9:34
